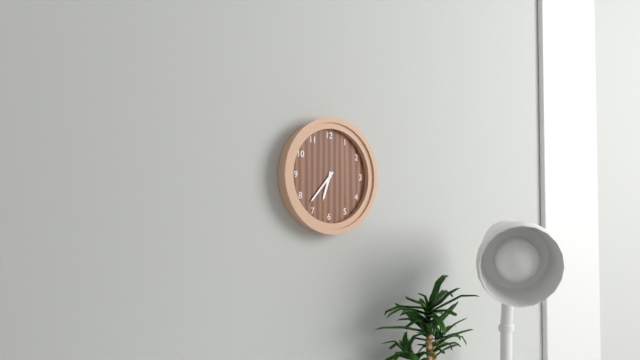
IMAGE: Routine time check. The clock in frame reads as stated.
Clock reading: 6:37
